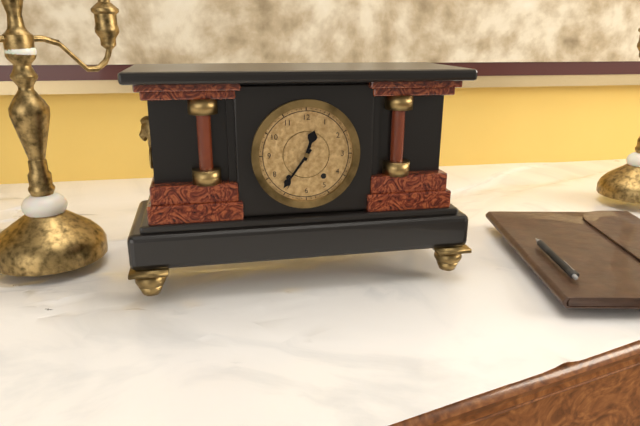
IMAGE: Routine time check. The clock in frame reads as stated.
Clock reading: 12:36
